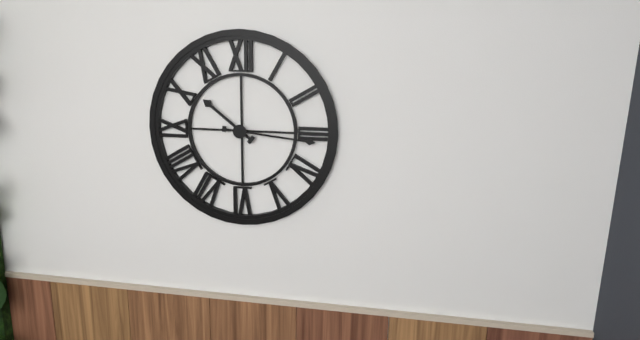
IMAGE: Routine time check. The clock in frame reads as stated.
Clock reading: 10:16
